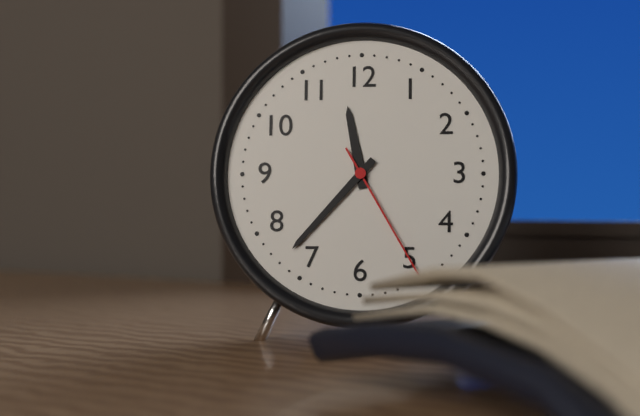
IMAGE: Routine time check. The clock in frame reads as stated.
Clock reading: 11:37:25
